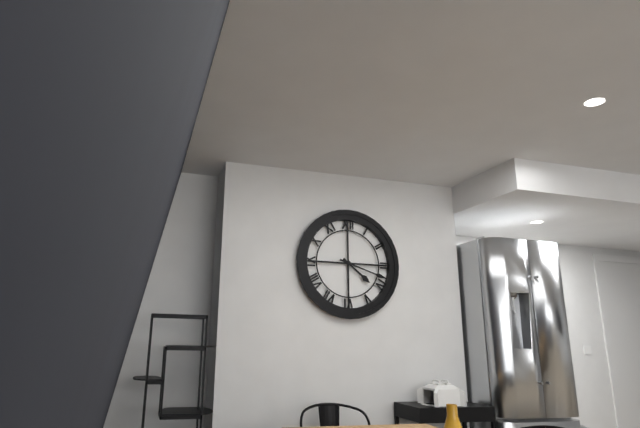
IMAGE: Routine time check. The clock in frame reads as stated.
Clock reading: 4:18
